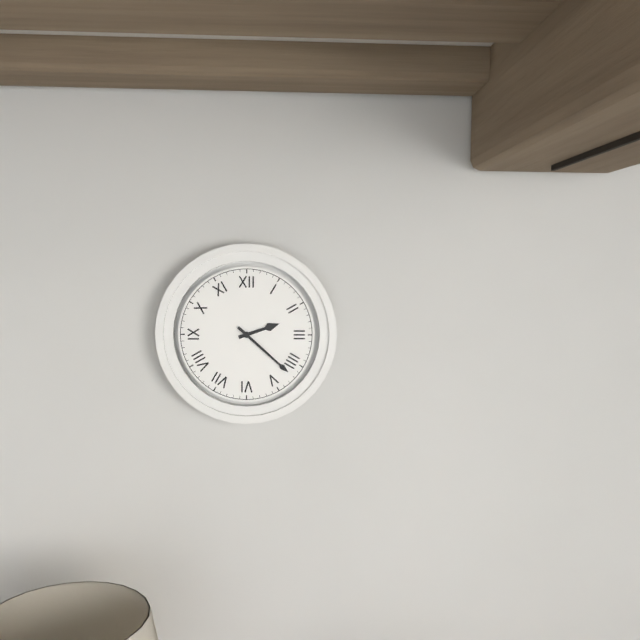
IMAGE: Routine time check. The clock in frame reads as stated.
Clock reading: 2:22
